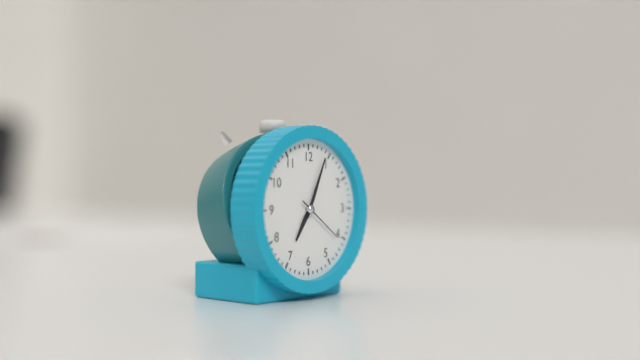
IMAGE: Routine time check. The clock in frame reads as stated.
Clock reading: 7:04:21
